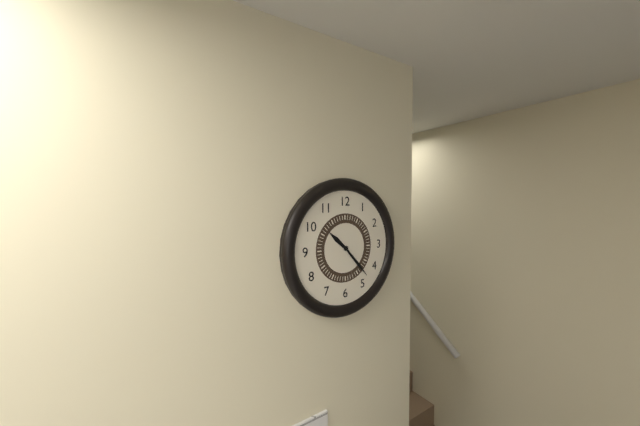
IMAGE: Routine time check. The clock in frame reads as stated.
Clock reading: 10:23
